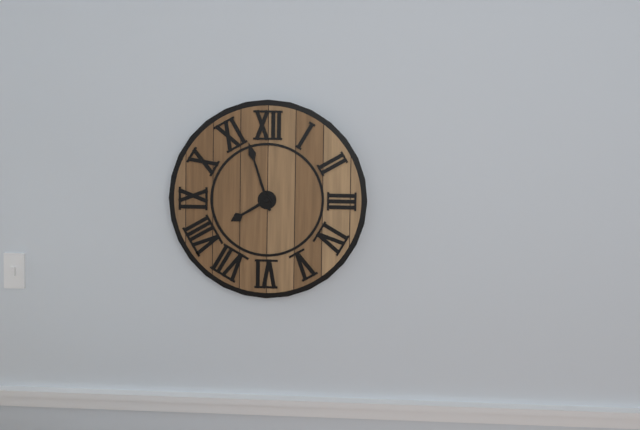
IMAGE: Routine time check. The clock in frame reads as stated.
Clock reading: 7:57
